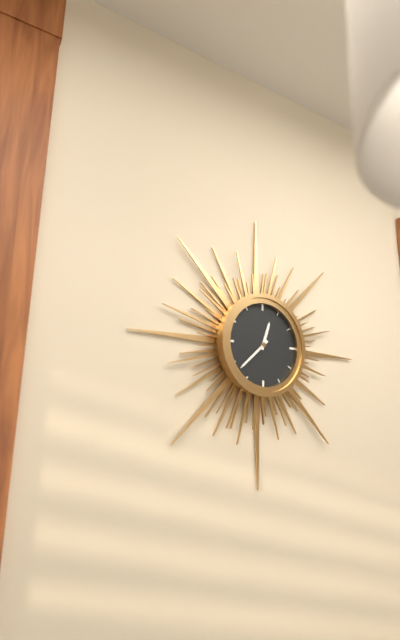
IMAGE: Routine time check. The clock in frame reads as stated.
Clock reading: 12:38
